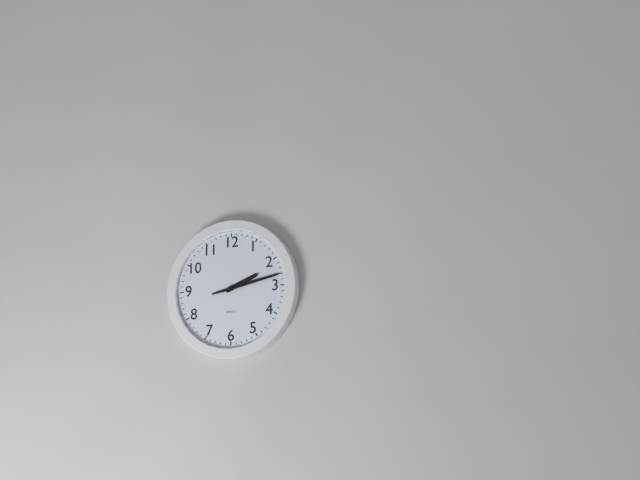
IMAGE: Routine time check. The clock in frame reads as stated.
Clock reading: 2:13
